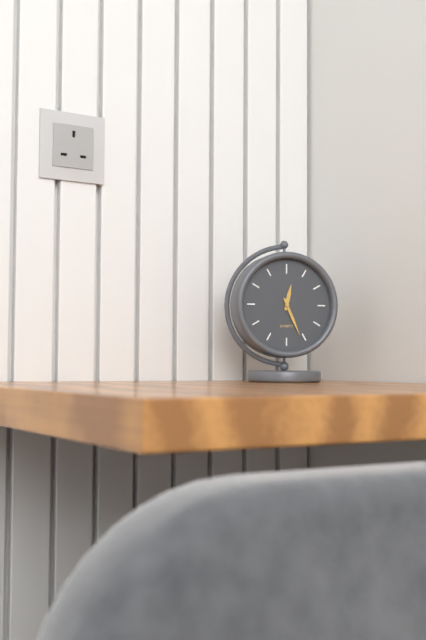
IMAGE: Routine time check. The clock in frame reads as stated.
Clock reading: 12:26
